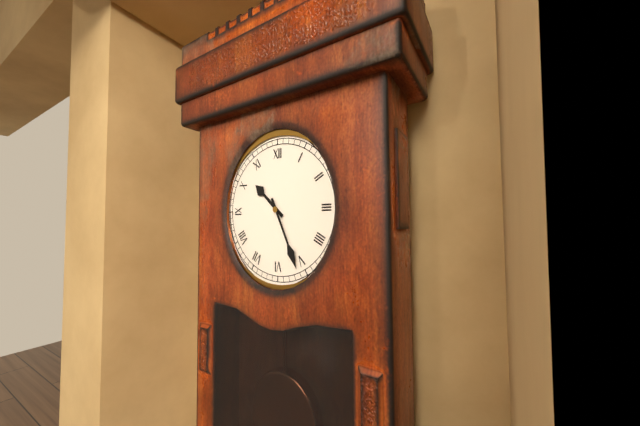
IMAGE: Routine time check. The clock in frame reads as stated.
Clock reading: 10:26
